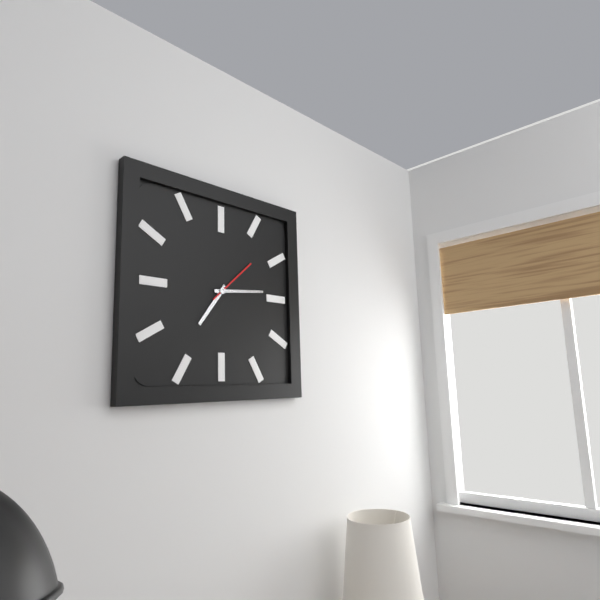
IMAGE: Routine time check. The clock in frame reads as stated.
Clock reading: 7:14:08
